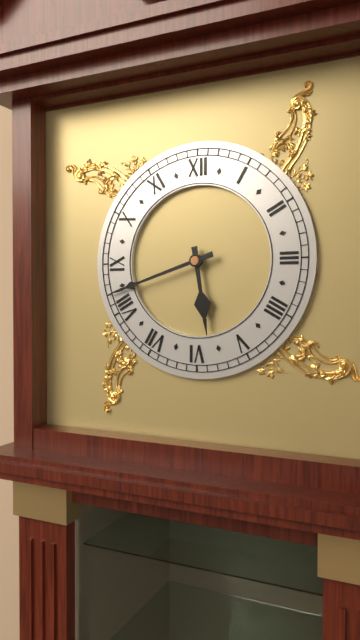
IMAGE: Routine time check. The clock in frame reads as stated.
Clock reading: 5:42
